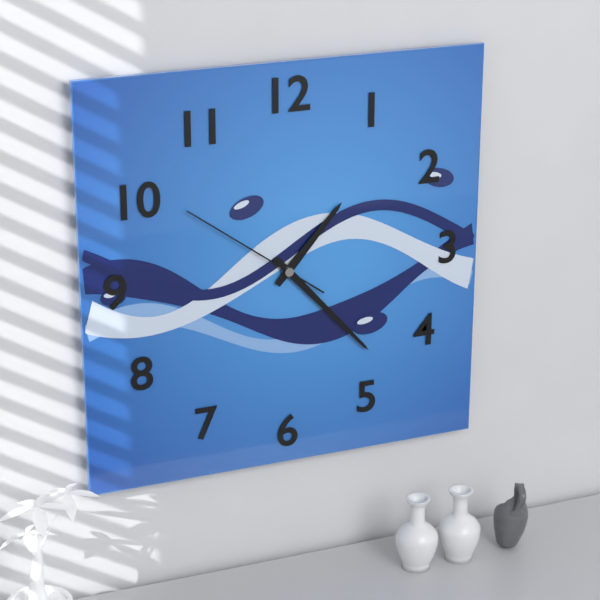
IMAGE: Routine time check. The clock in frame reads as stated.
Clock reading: 1:23:51
